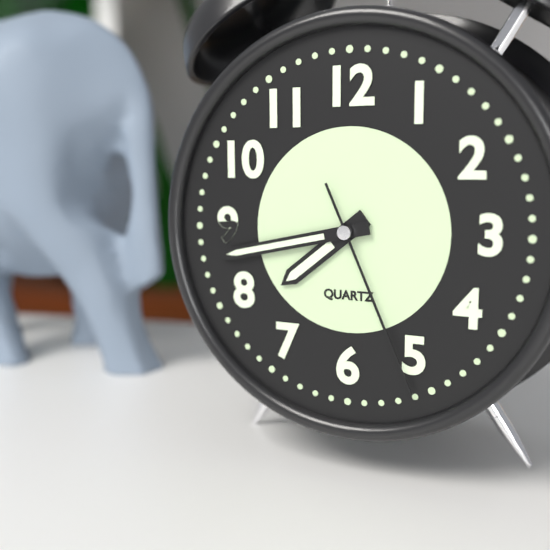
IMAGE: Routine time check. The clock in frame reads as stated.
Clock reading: 7:43:26
